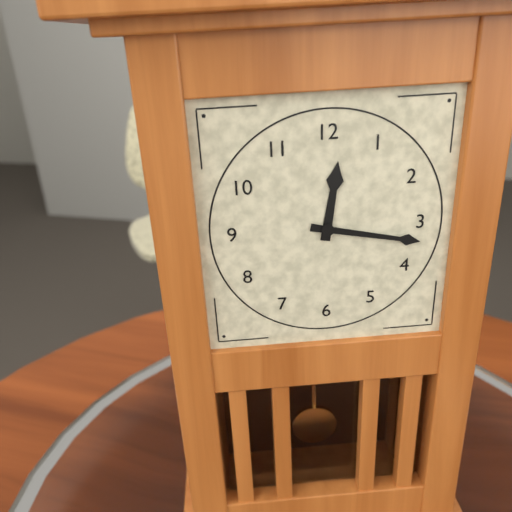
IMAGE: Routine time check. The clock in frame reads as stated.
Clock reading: 12:17
